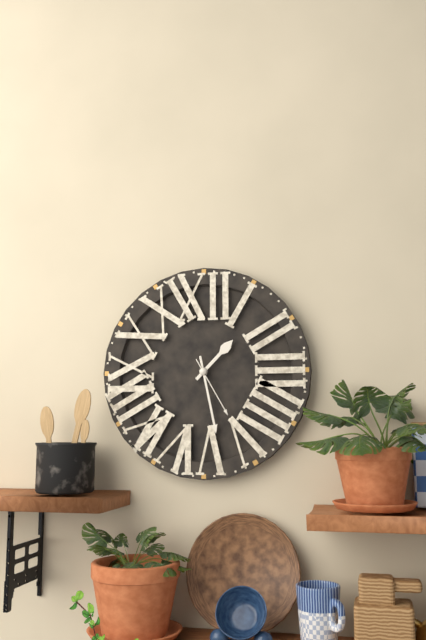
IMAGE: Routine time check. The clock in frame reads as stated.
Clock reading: 1:28:25
